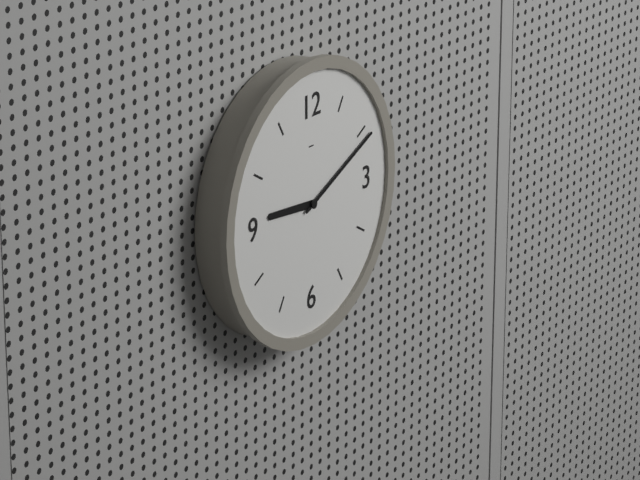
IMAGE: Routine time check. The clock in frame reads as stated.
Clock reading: 9:11
